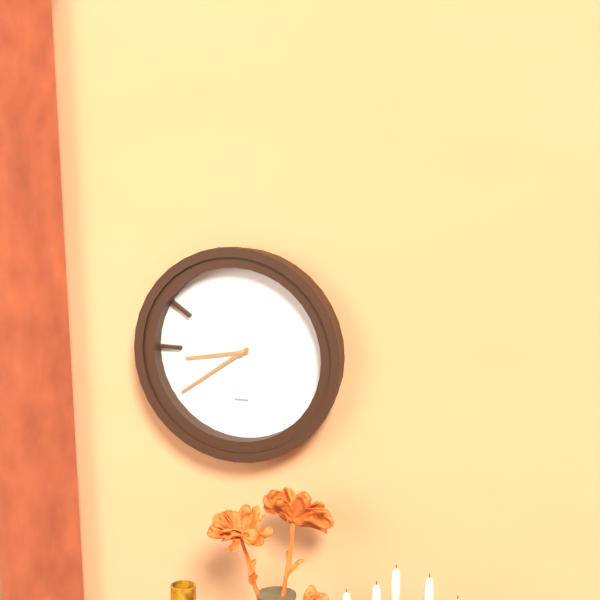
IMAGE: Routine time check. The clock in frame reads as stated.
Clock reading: 8:39
